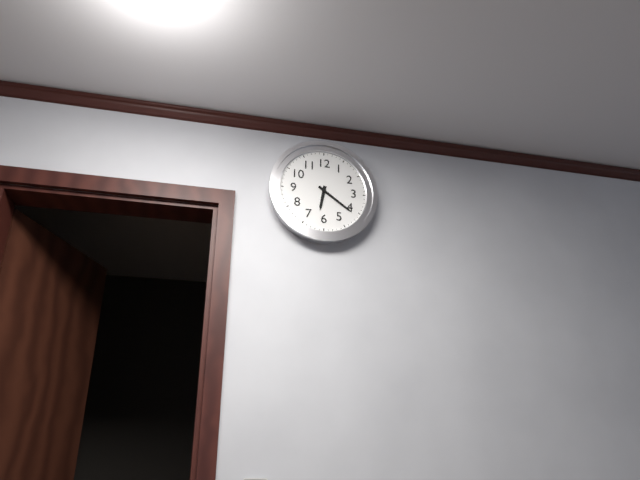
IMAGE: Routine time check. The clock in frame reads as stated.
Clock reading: 6:21
